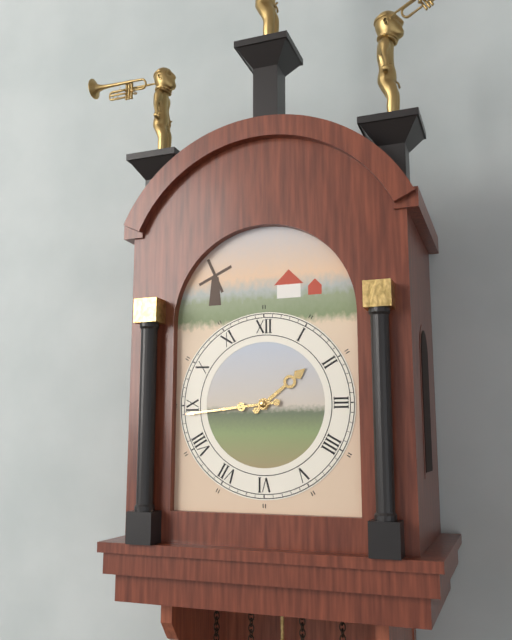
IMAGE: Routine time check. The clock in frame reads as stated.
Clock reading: 1:44
